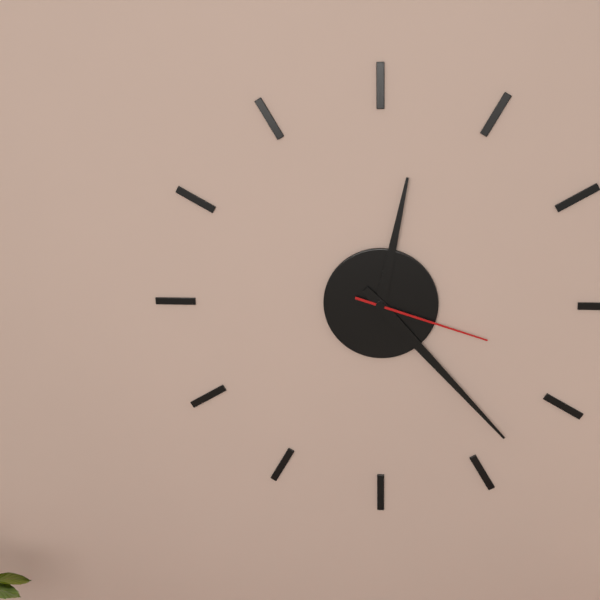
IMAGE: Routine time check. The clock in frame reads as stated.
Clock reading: 12:23:18
